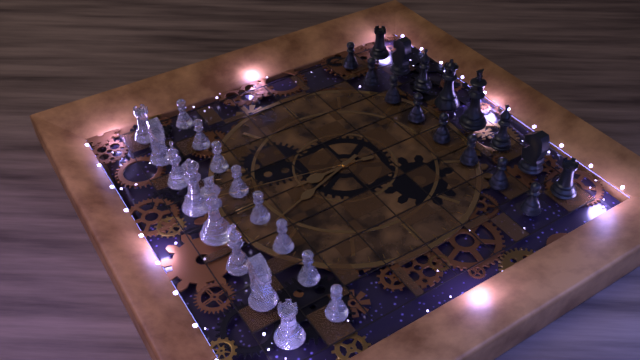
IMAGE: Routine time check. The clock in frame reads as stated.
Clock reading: 11:57:02
